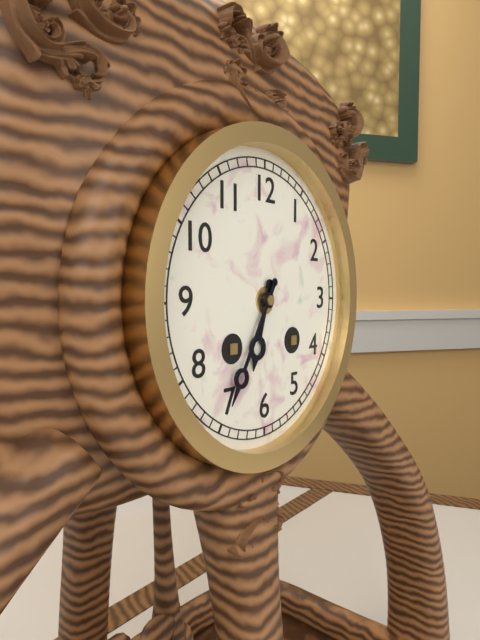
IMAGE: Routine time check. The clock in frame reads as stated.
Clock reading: 6:35
